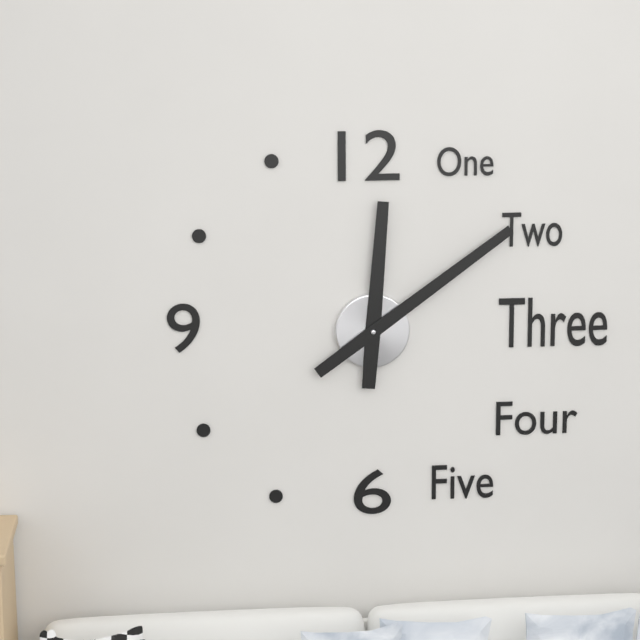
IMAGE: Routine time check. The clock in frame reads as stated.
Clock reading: 12:09
